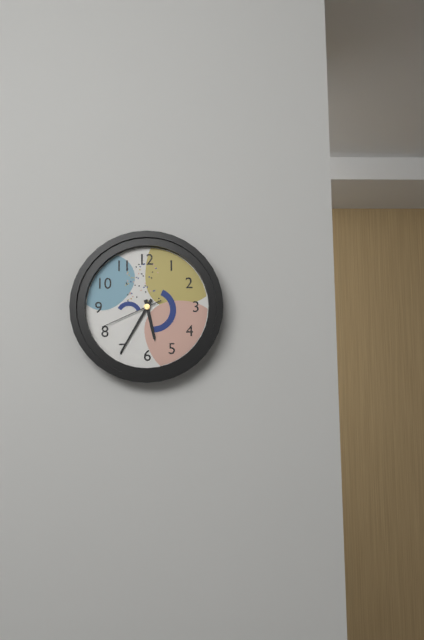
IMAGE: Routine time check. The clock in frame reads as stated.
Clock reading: 5:35:41
